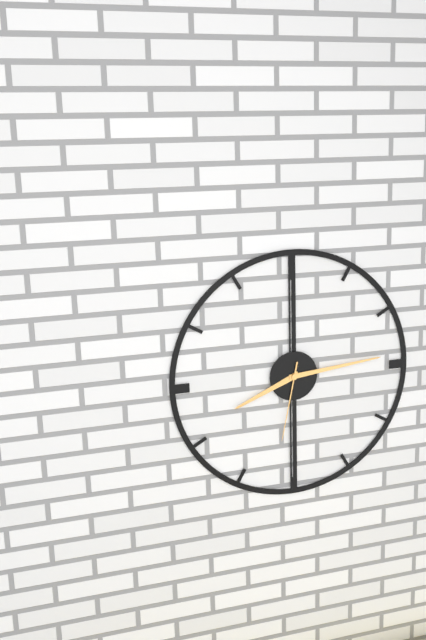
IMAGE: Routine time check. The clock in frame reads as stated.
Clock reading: 8:14:32
